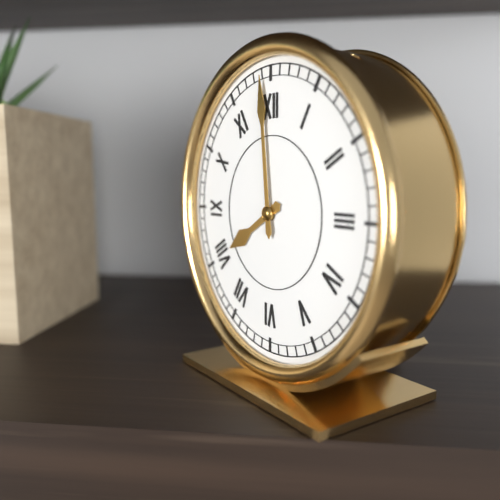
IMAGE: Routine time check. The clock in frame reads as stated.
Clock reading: 7:59
